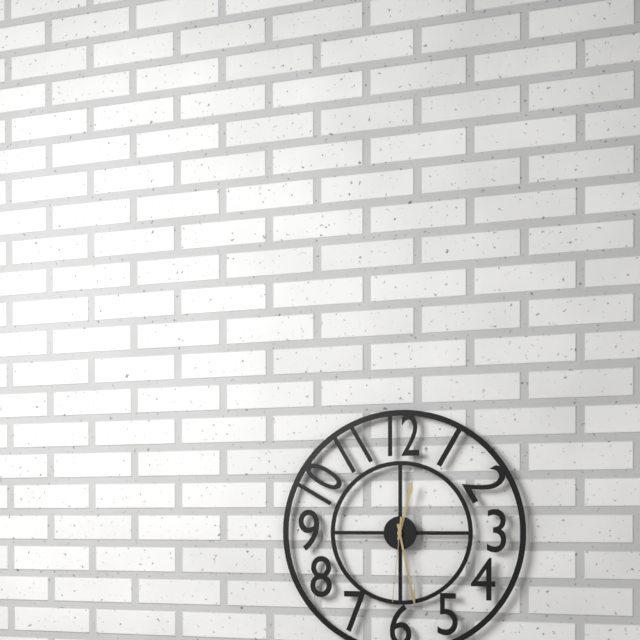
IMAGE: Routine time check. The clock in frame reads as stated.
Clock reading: 12:28:31
